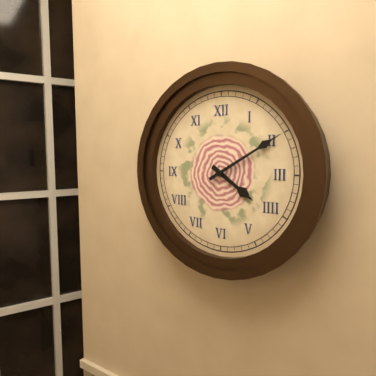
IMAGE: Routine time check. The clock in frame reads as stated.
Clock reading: 4:10
